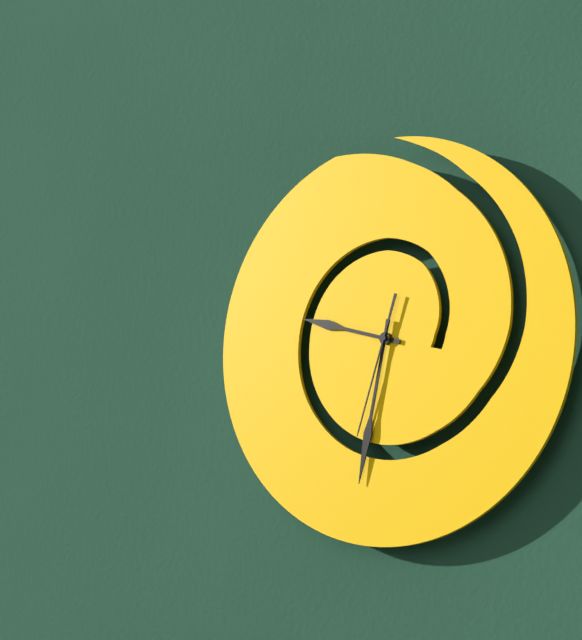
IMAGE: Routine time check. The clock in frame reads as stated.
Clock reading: 9:32:33
